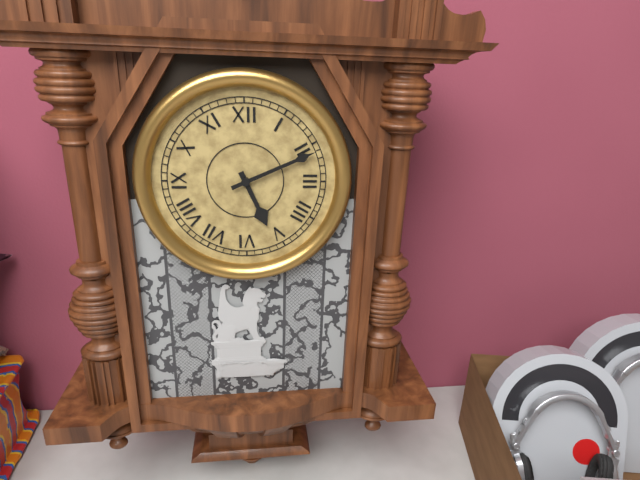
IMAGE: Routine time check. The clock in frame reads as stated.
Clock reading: 5:11
